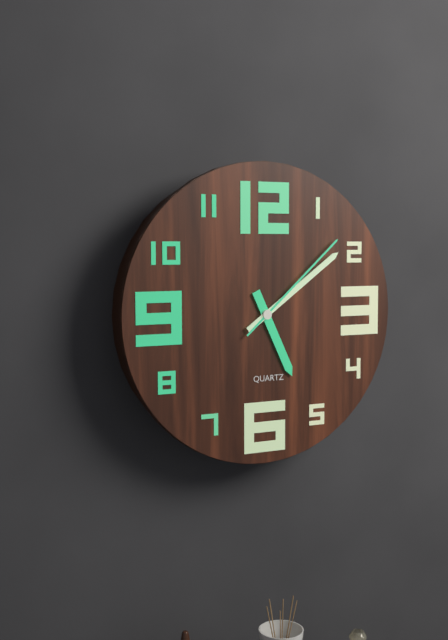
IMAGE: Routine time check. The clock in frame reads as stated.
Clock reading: 5:09:08
